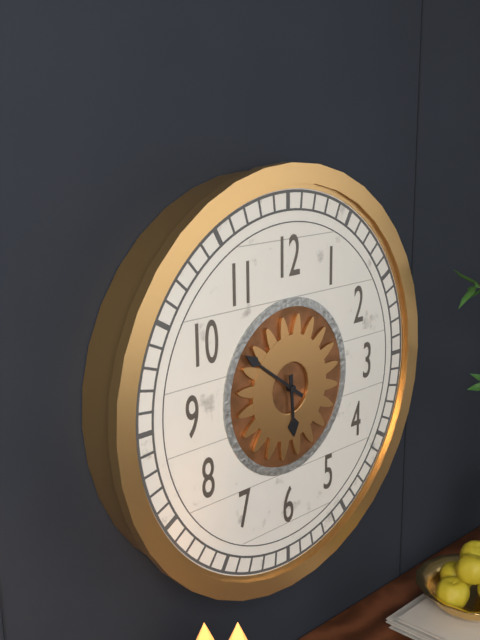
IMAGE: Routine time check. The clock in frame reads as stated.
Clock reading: 5:51
